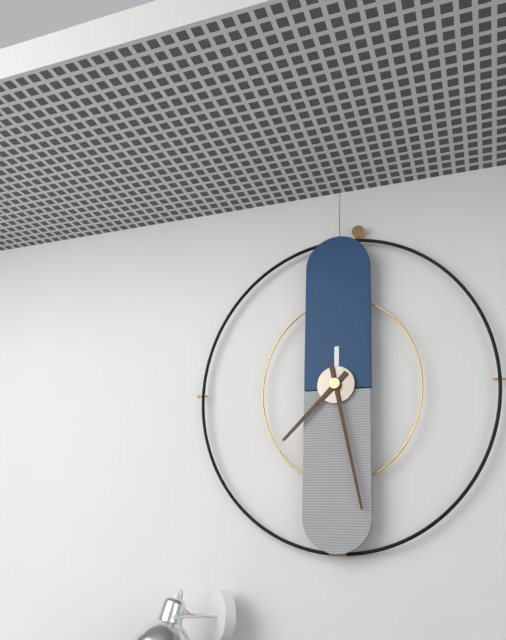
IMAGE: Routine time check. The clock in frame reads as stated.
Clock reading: 7:28
